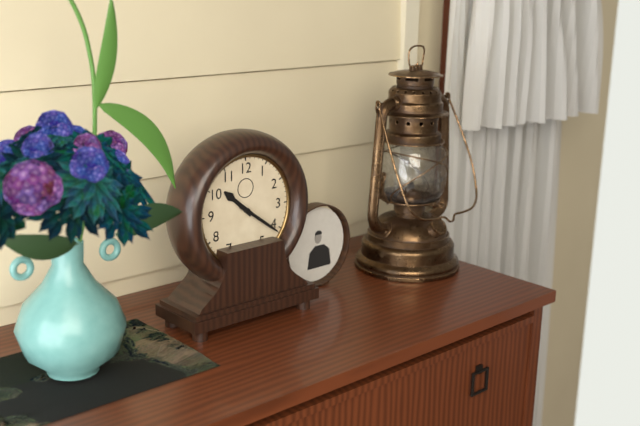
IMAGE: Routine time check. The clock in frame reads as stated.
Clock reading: 10:21
